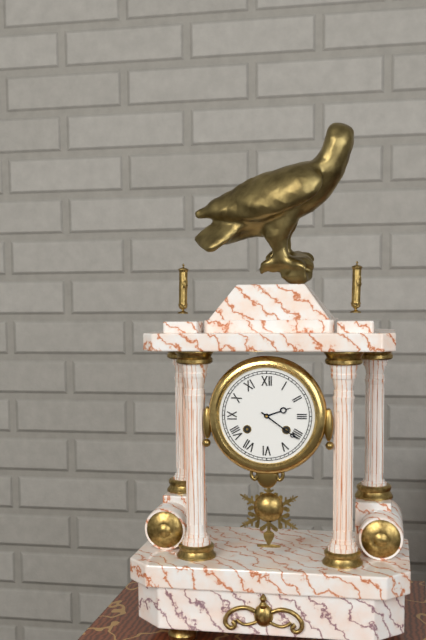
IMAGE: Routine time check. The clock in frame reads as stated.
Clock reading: 2:21
